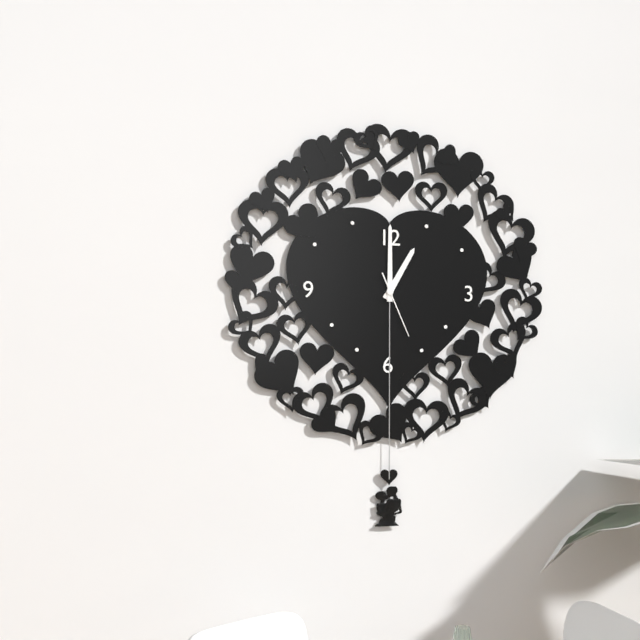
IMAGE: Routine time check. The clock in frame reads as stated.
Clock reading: 1:00:26
